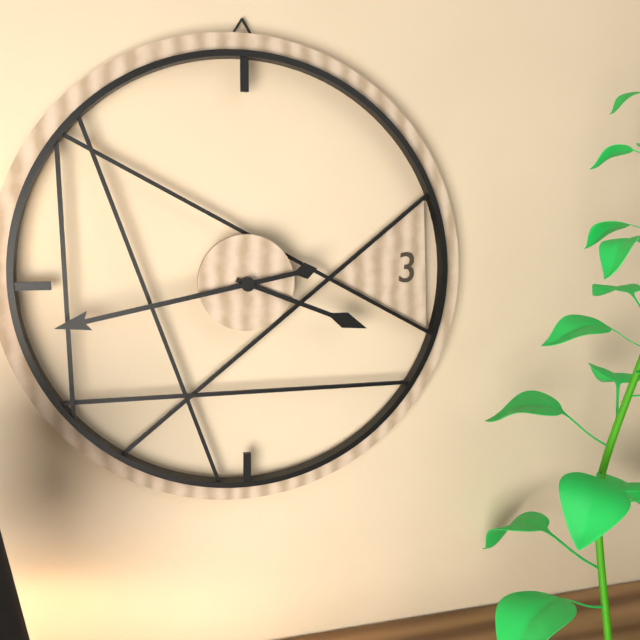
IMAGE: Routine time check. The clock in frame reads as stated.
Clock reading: 3:43
